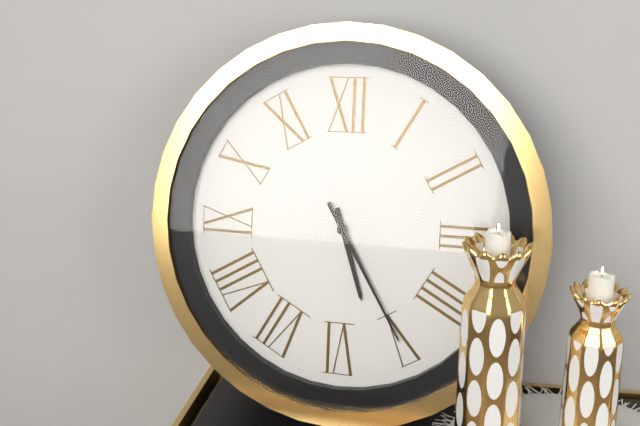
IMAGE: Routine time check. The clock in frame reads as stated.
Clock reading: 5:25
